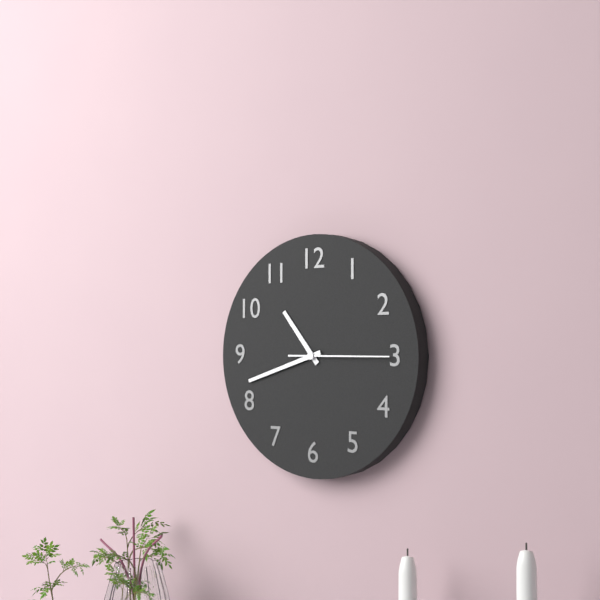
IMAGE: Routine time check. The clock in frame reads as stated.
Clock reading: 10:42:15
